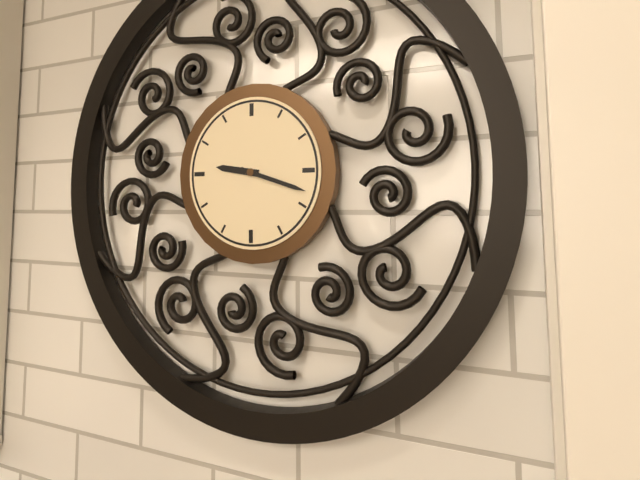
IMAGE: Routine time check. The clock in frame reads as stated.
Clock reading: 9:18
